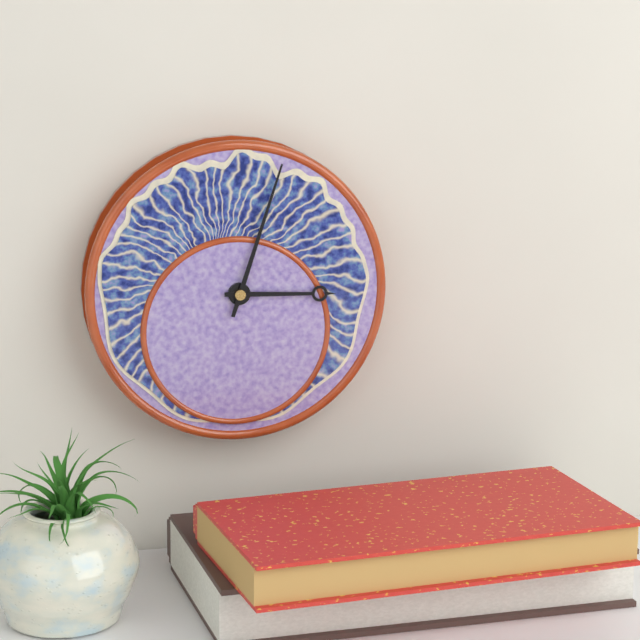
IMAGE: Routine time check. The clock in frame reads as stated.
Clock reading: 3:03
